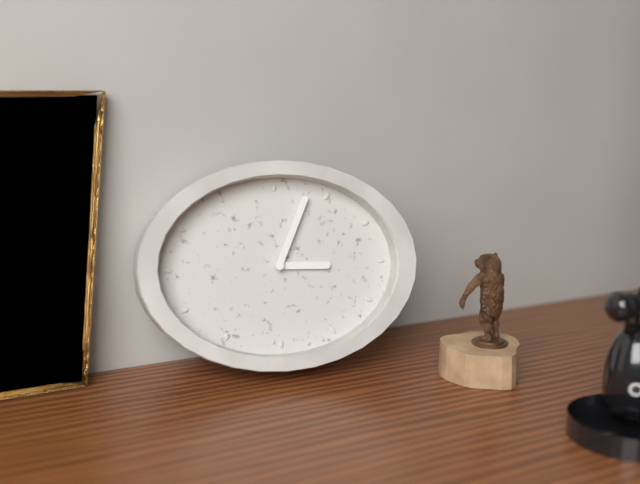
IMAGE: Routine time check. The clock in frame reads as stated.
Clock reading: 3:04
